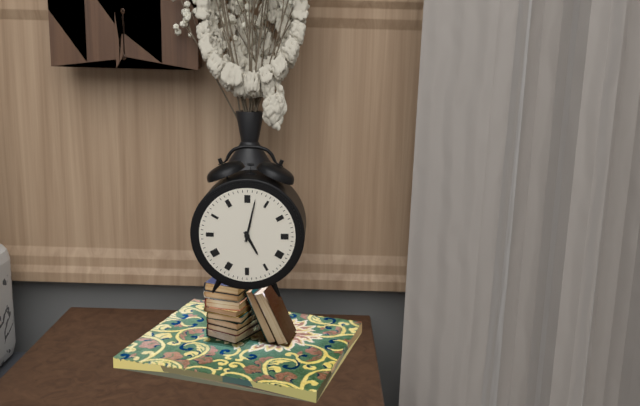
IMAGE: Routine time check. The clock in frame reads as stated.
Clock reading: 5:02
